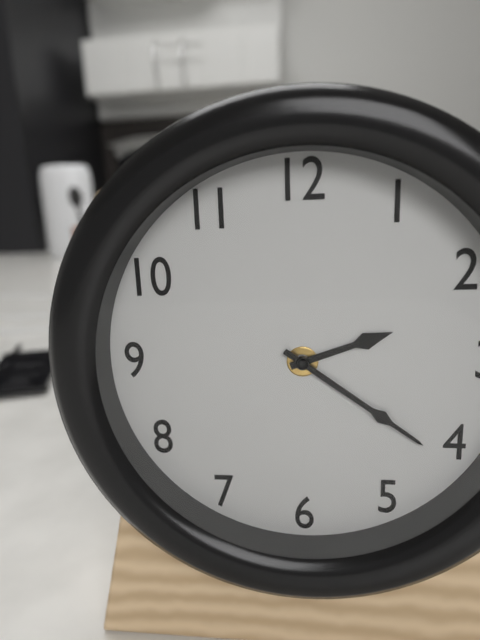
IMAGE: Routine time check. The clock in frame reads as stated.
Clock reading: 2:21
